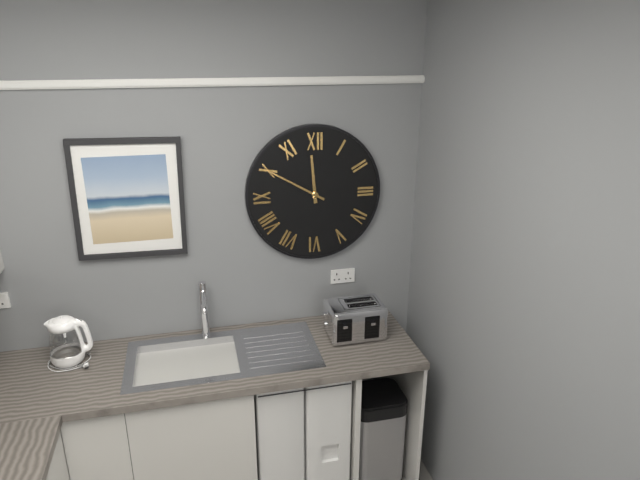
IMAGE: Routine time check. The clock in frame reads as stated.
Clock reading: 11:50
